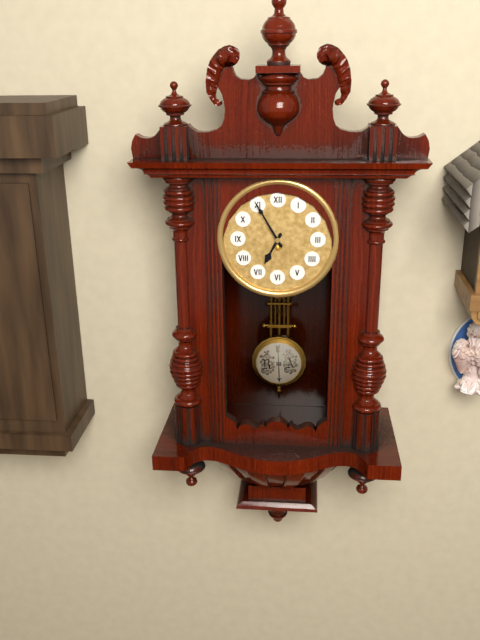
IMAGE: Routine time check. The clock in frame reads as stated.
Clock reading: 6:55
